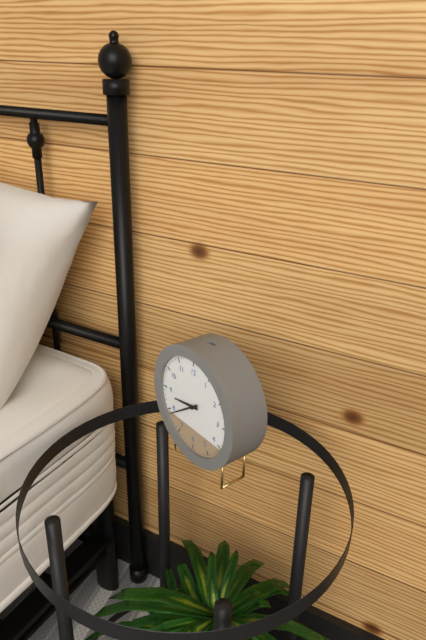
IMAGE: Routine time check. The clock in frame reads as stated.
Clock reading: 8:39
